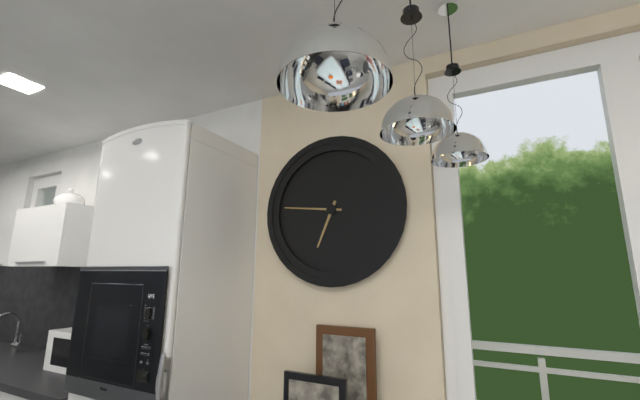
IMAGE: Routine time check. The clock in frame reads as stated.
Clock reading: 6:46
